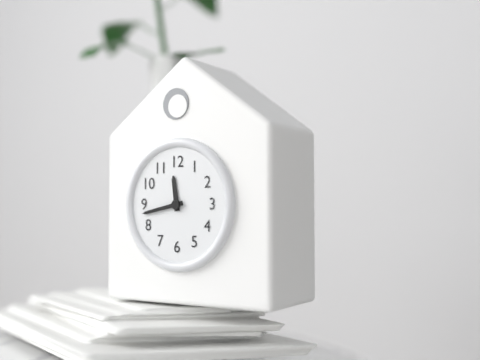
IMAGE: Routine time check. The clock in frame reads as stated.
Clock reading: 11:43
